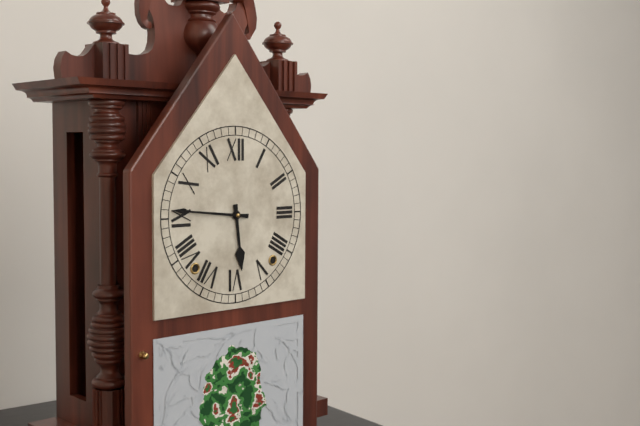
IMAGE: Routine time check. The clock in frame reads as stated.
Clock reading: 5:46
